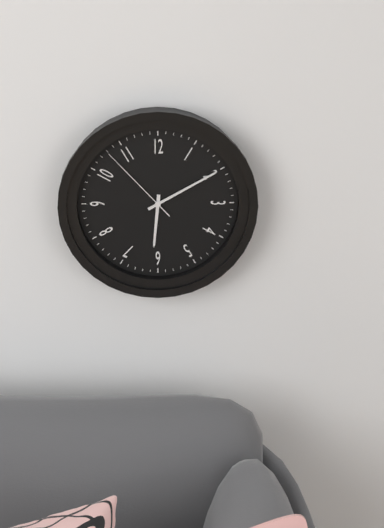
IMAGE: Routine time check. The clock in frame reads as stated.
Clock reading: 6:10:53
